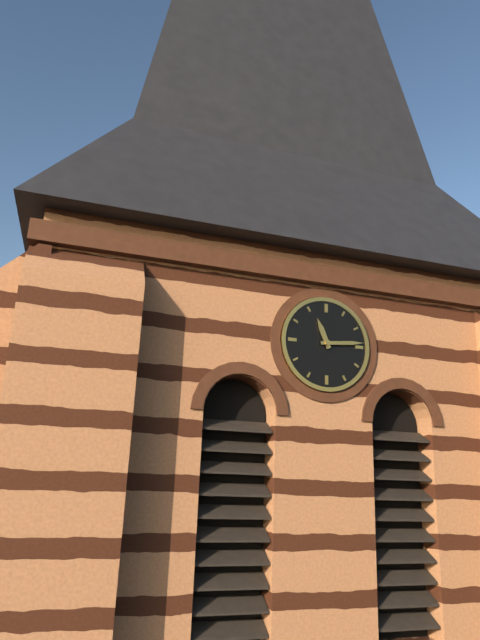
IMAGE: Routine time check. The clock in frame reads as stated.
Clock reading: 11:14
